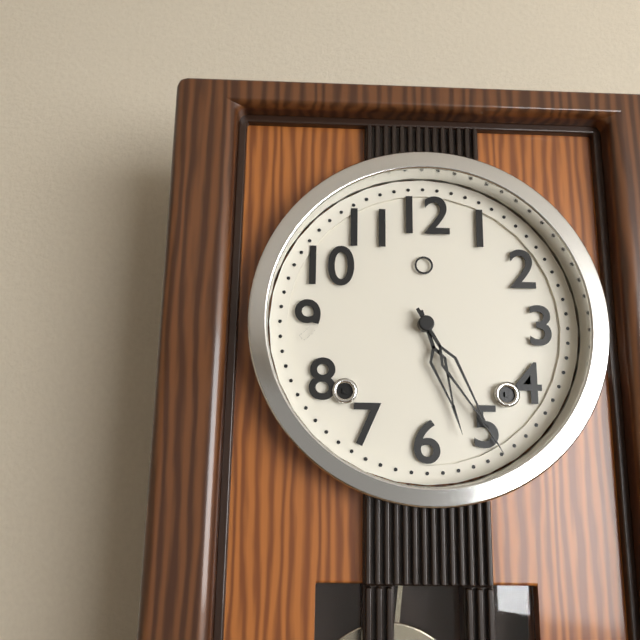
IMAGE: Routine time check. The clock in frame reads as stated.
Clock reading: 5:25
